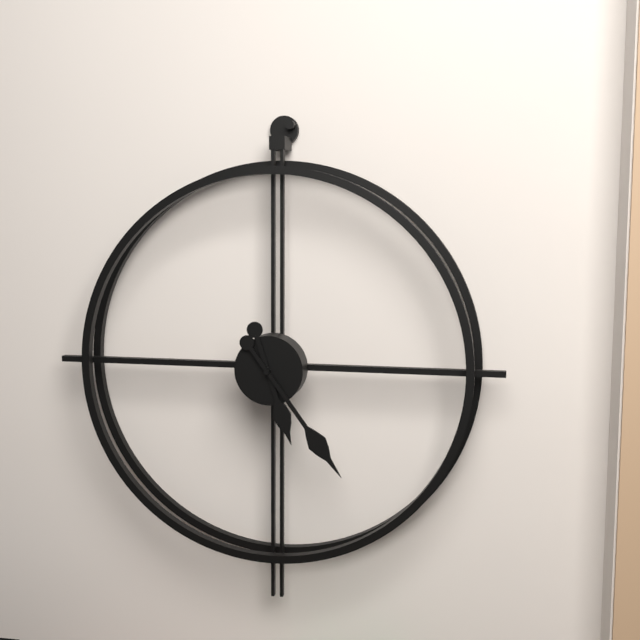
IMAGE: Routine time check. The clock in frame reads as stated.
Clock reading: 5:24
